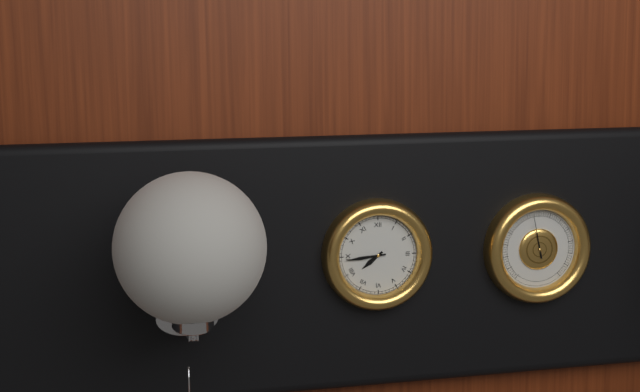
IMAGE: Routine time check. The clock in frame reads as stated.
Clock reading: 7:44
